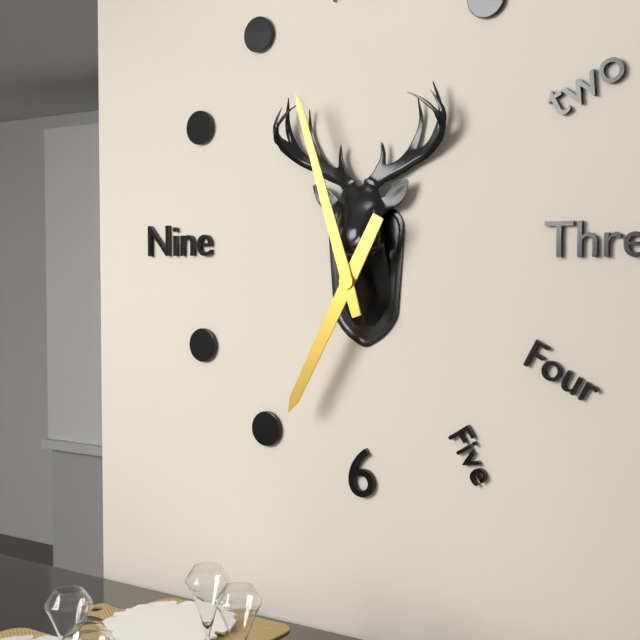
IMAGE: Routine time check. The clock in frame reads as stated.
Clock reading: 6:57
